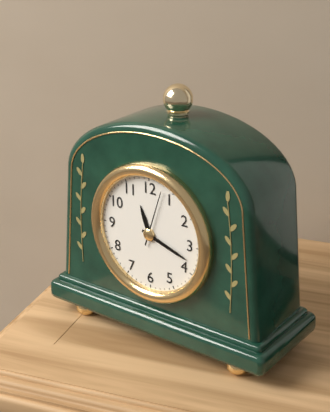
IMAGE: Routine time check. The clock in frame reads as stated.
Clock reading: 11:18
